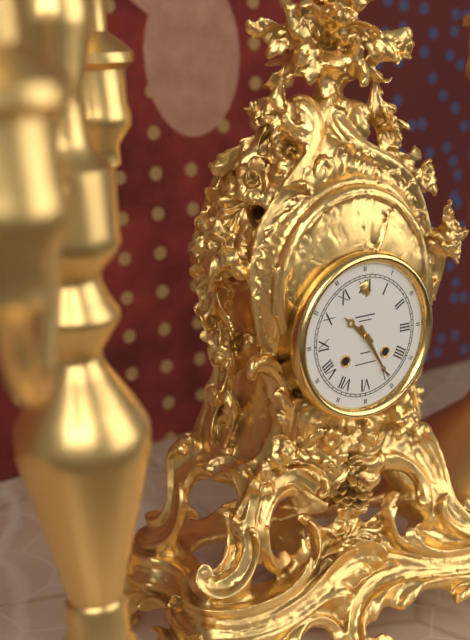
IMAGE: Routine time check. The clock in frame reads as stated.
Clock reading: 10:25
